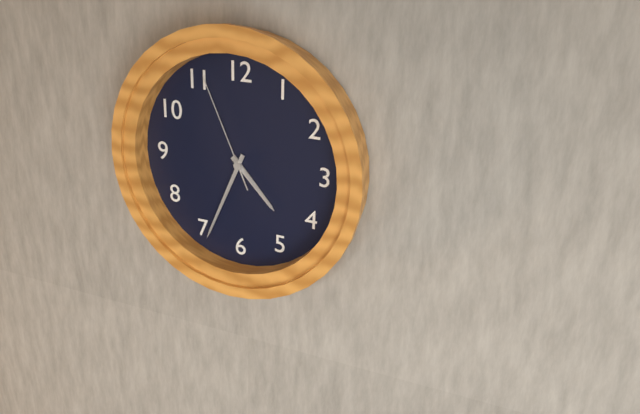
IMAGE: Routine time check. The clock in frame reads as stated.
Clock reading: 4:34:56
